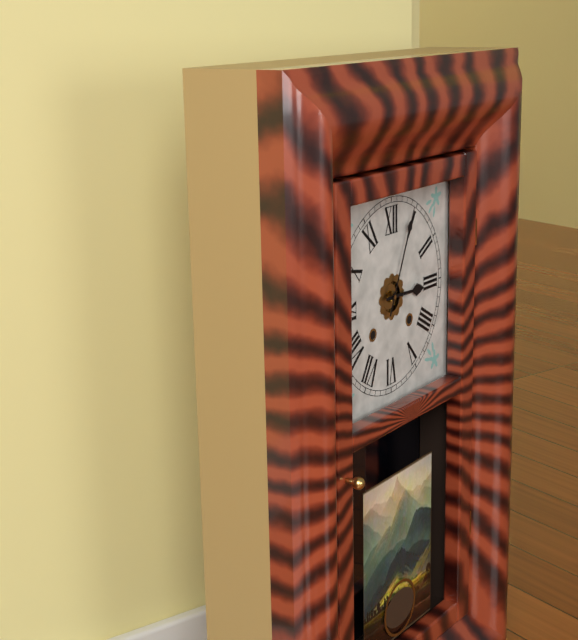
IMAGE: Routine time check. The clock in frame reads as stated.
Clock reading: 3:04
